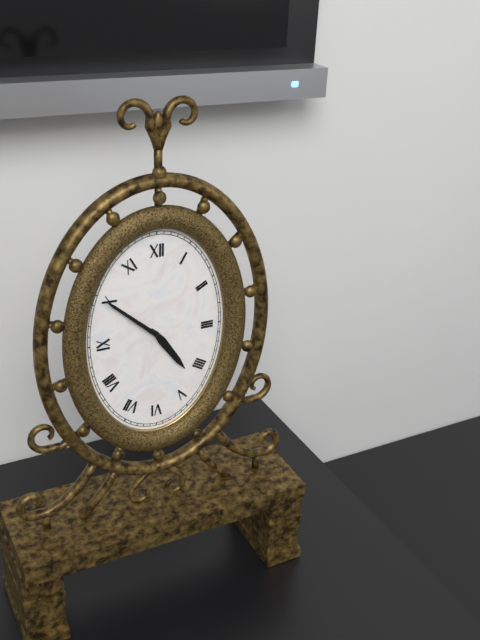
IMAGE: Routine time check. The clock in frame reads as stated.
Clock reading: 4:52
